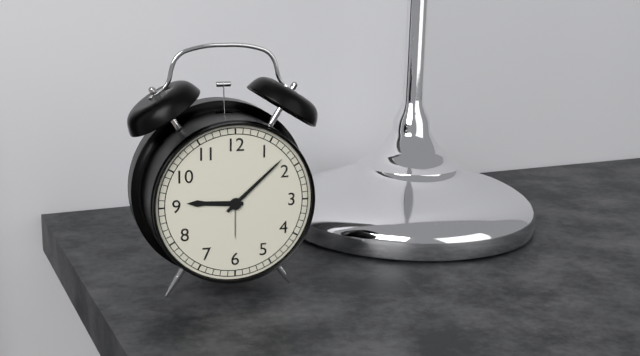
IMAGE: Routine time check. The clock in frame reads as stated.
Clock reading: 9:08
